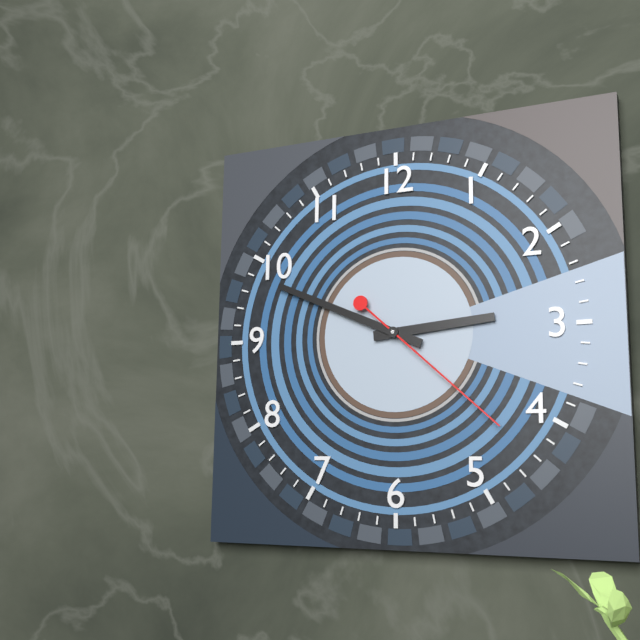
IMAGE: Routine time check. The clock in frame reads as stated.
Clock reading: 2:49:22
